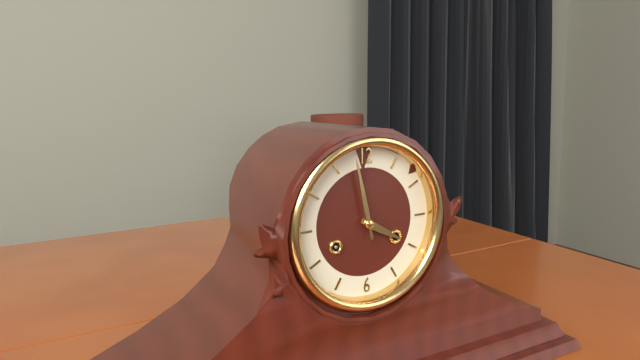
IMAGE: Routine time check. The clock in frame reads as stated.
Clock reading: 3:58
